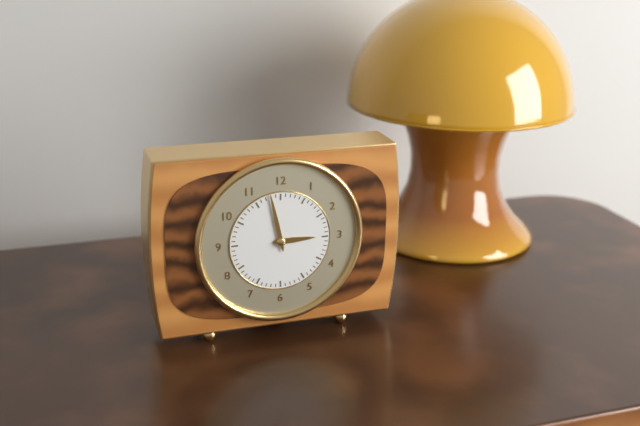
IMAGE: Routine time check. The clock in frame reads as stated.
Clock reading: 2:58
